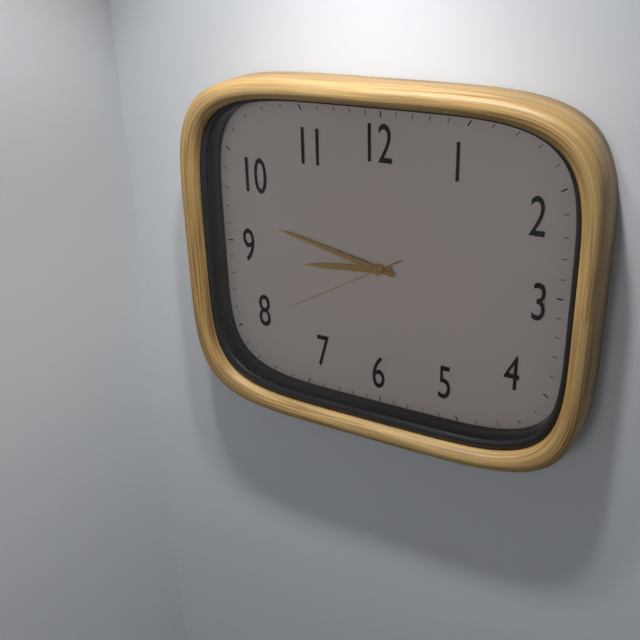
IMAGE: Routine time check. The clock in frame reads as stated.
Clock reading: 8:47:40
